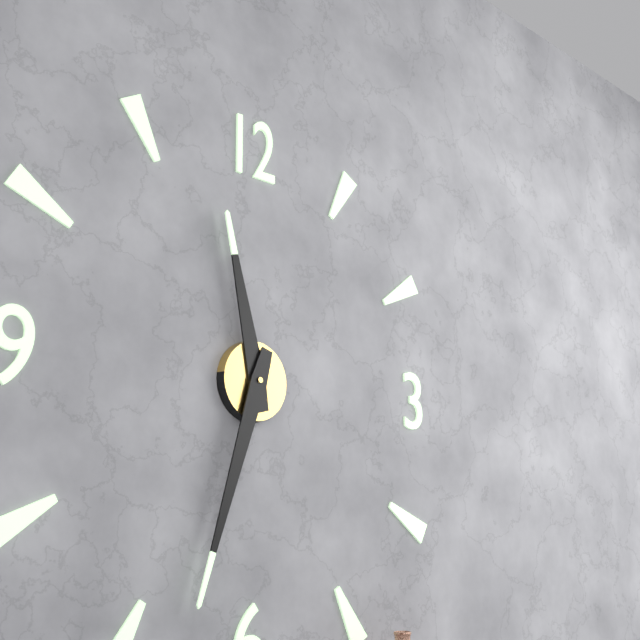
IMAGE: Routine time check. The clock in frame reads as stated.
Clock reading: 11:33
